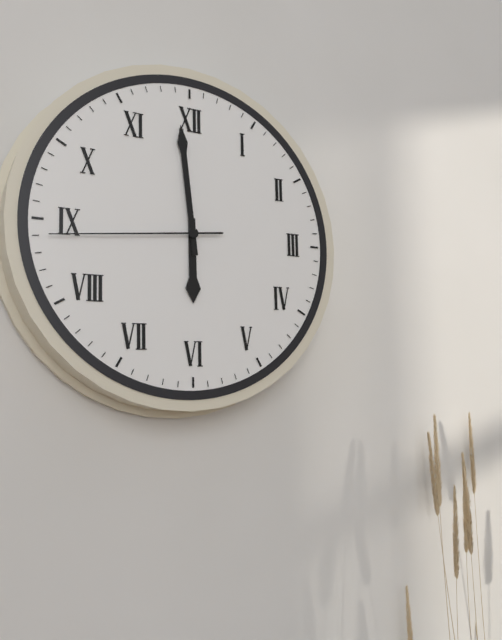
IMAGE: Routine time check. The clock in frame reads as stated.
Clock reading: 5:59:44
